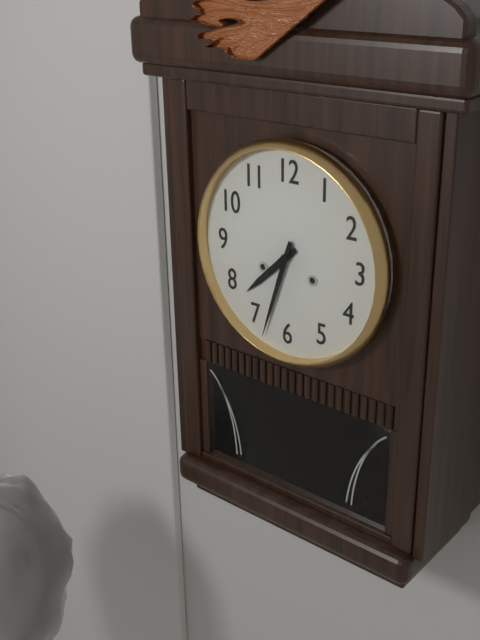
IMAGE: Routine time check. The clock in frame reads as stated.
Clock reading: 7:33
